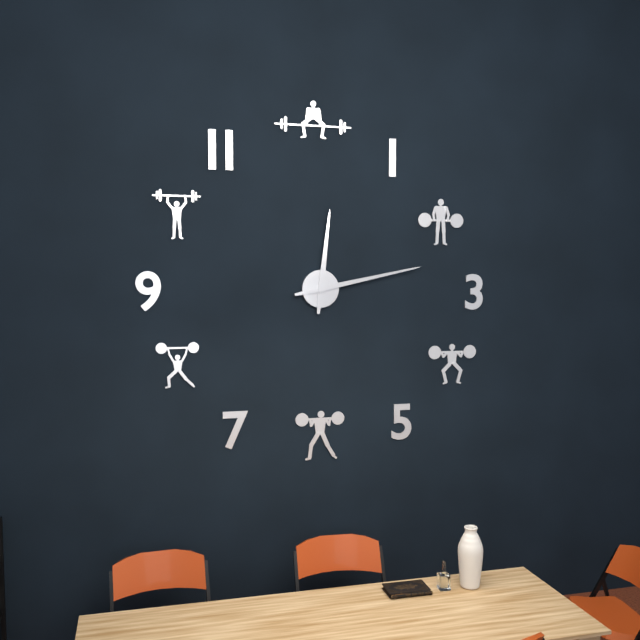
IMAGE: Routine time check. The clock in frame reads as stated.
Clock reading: 12:13
